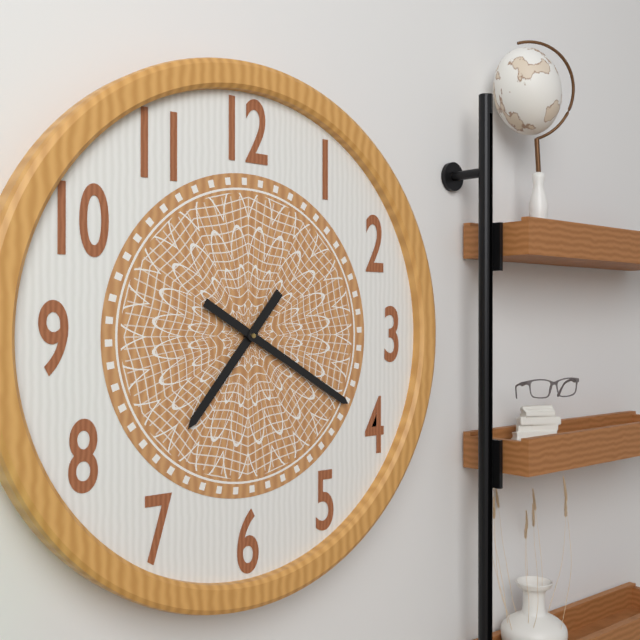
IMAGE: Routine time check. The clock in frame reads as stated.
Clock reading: 7:20
